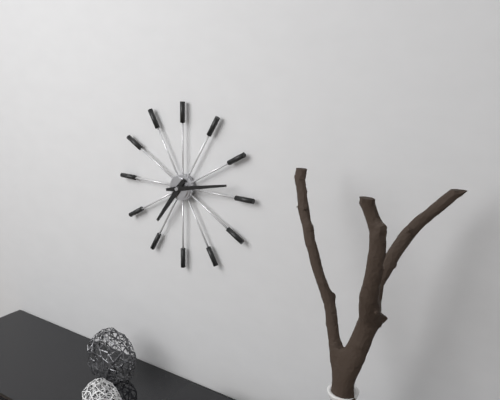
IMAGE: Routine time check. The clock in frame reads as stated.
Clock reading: 7:13
